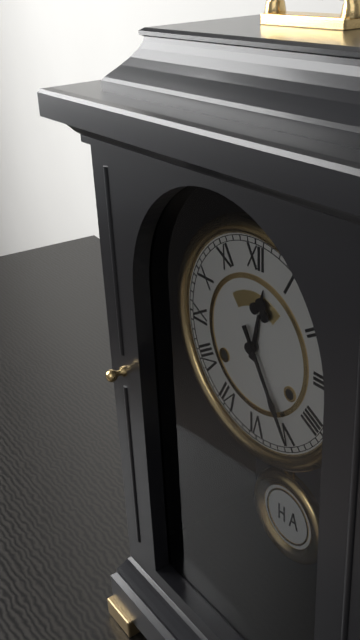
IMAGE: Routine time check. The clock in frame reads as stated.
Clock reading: 12:25
